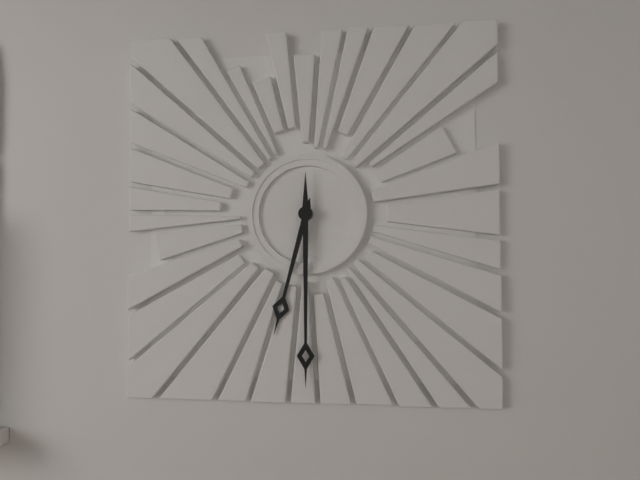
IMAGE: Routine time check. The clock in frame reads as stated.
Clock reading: 6:30
